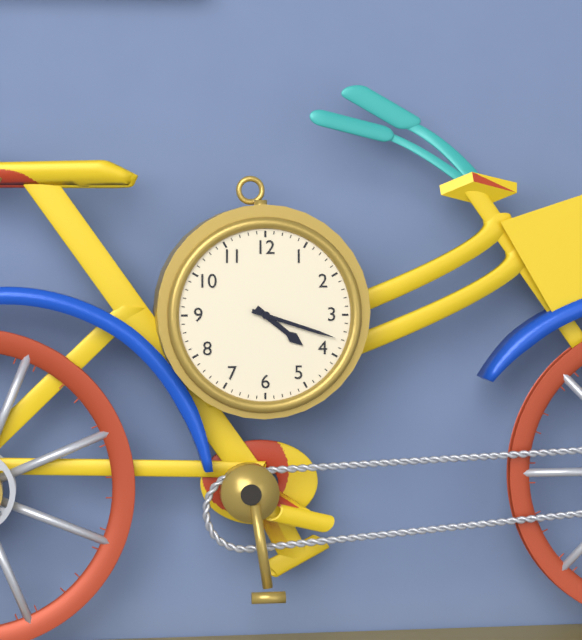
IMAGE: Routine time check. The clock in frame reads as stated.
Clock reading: 4:18
